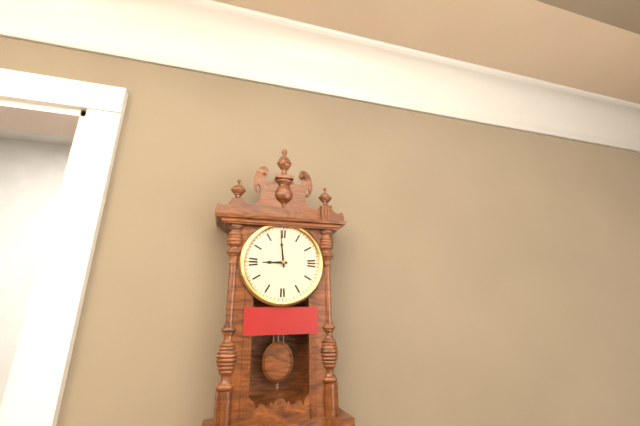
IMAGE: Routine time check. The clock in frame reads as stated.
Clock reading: 8:59
